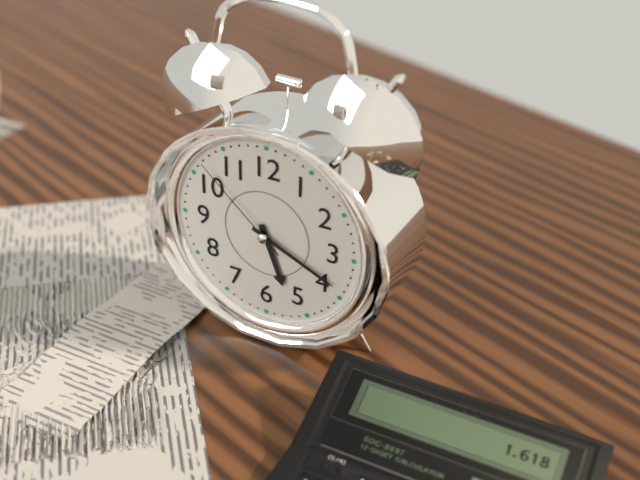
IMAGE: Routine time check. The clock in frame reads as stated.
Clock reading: 5:19:52
